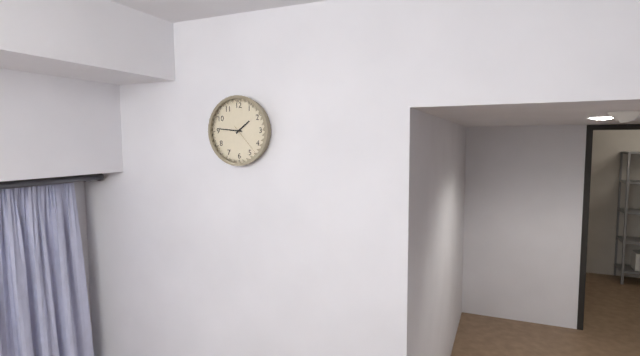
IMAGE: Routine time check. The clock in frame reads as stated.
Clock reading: 1:46
